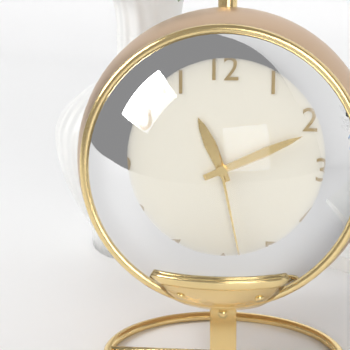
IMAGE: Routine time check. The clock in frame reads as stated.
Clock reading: 11:11:28
